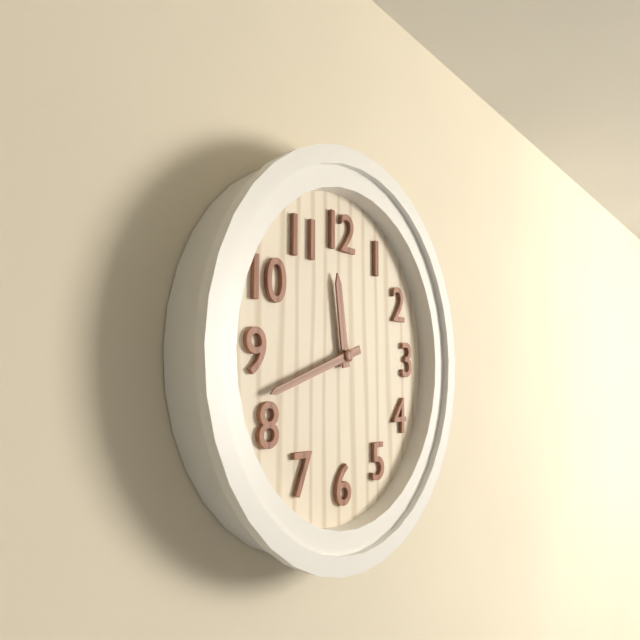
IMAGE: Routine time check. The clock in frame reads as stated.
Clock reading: 11:42
